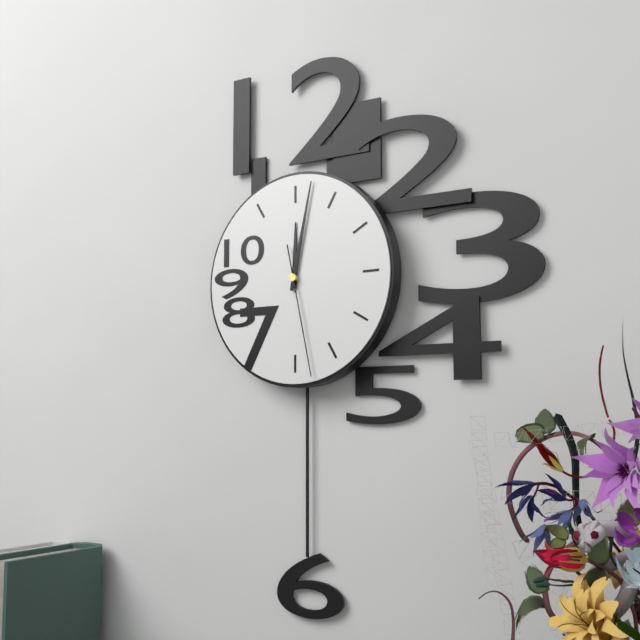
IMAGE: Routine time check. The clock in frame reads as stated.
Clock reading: 12:02:28
